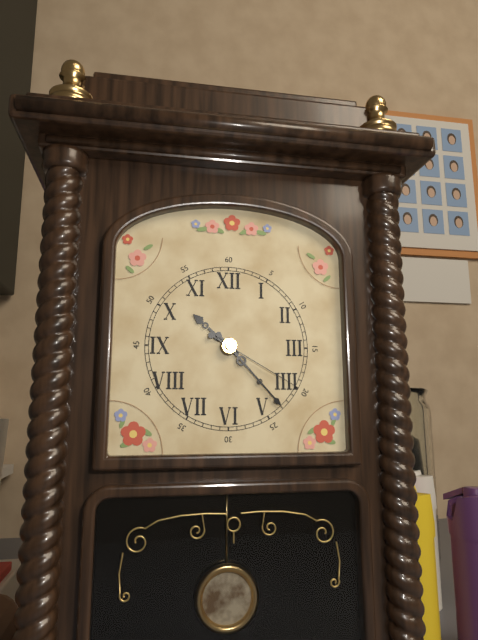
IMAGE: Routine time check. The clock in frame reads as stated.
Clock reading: 10:23:20
